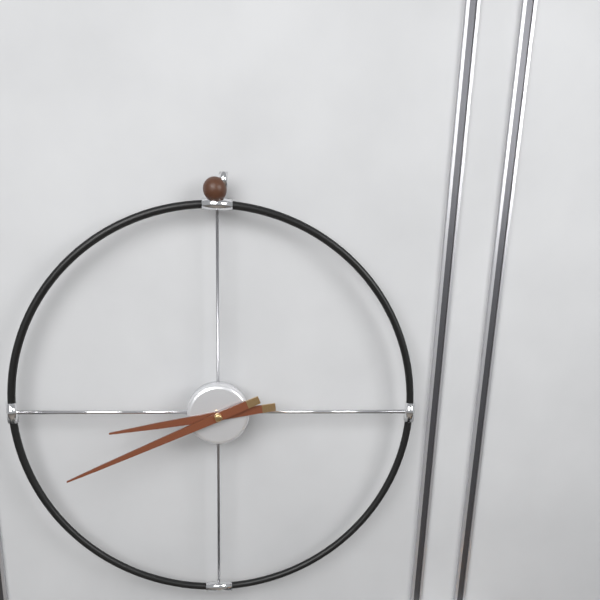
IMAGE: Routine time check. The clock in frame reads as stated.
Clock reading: 8:41
